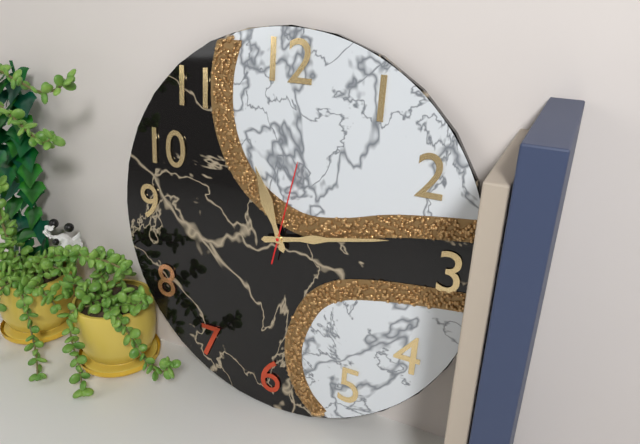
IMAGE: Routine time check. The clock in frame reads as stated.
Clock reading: 11:13:02
